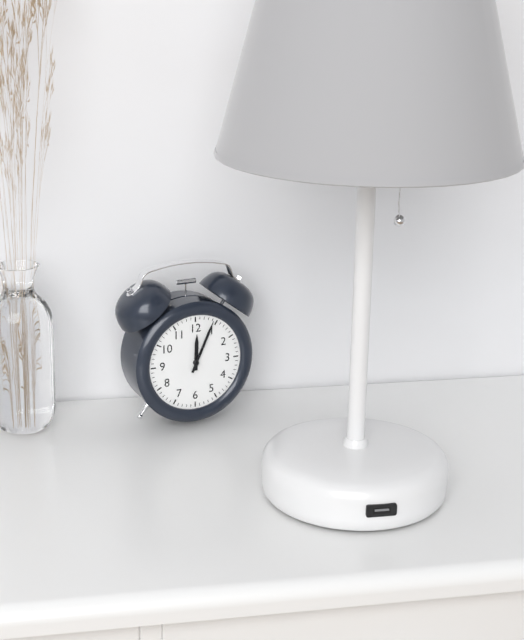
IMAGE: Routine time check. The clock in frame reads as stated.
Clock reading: 12:04
